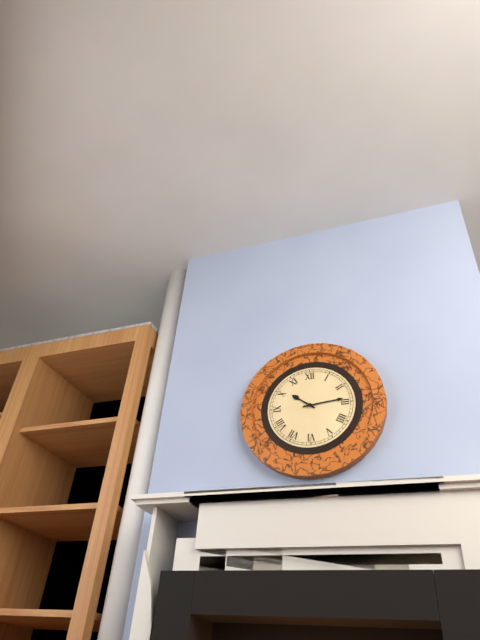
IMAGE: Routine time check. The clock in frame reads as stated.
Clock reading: 10:14
